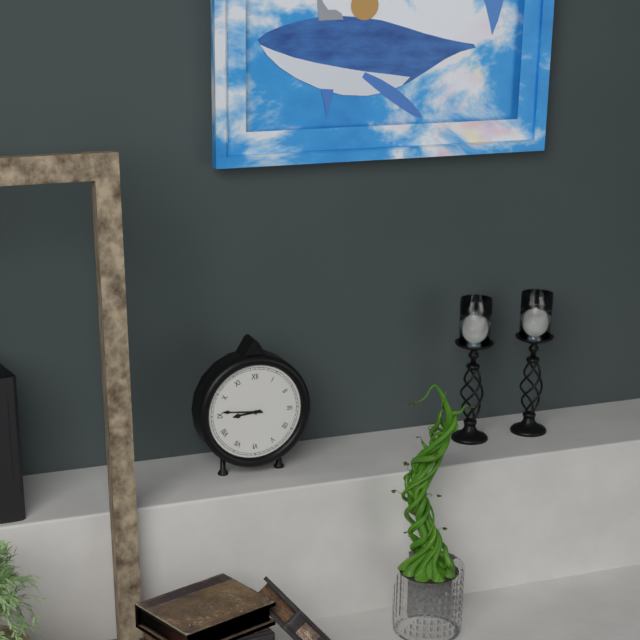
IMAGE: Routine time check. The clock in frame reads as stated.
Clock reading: 8:46
